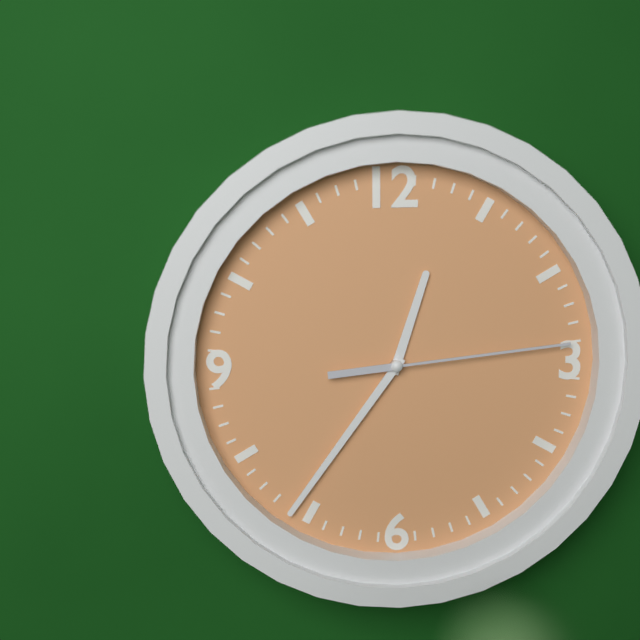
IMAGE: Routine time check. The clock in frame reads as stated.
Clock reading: 12:36:14
